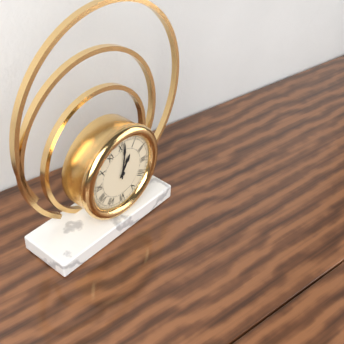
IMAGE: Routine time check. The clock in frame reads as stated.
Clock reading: 1:01
